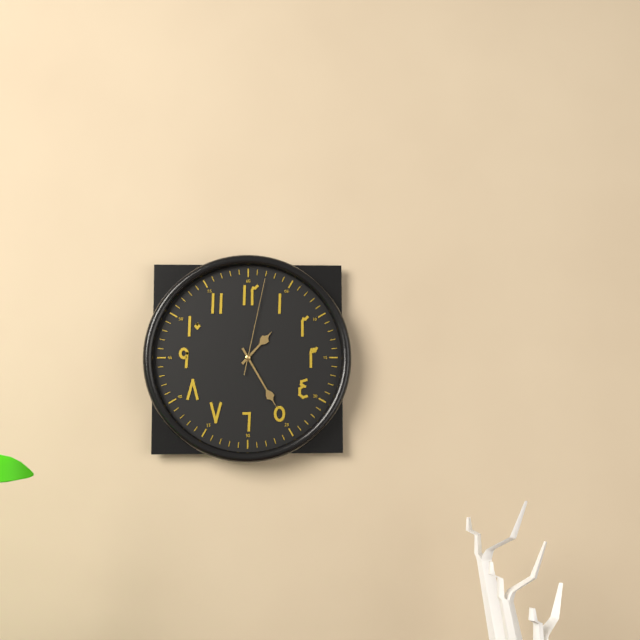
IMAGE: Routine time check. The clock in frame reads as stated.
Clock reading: 1:25:02
